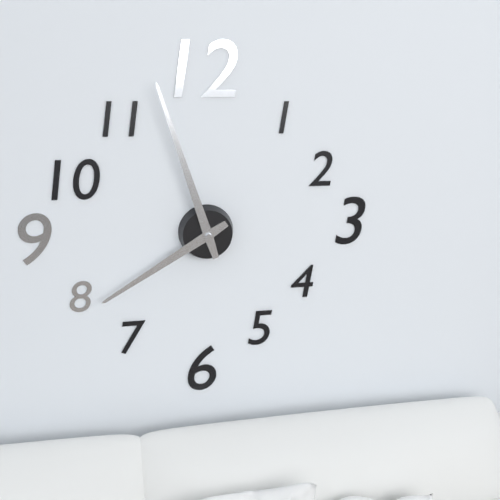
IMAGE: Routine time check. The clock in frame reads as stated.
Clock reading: 7:57
